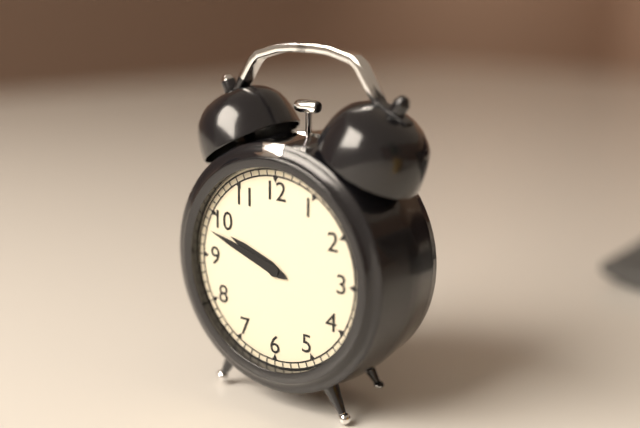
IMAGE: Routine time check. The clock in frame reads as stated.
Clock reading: 9:48
